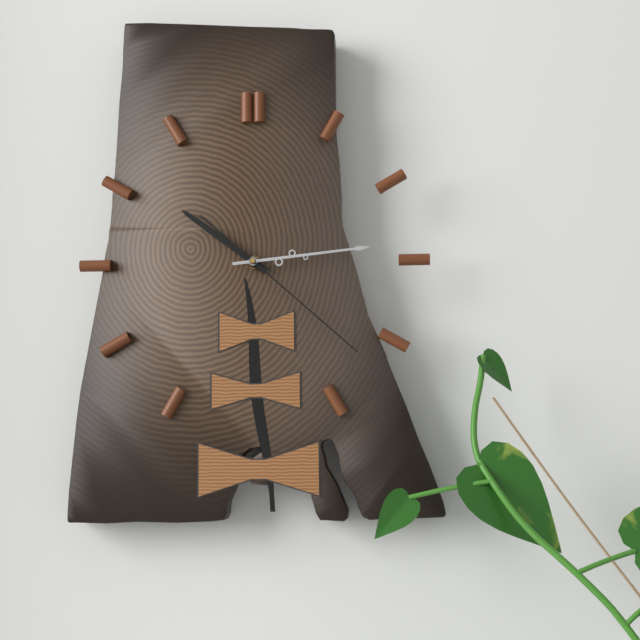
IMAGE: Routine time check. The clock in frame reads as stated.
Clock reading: 10:14:22
